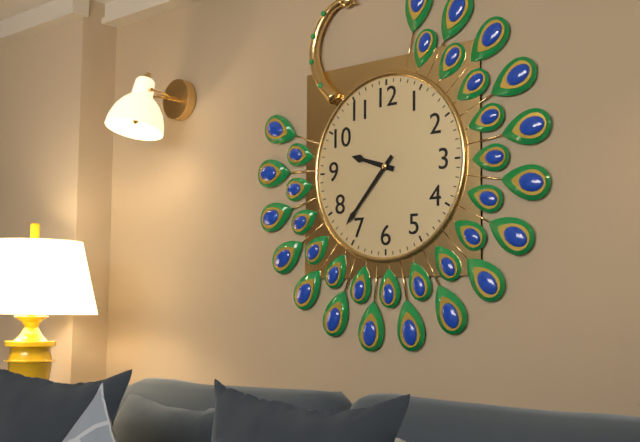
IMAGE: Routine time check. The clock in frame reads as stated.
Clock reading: 9:37
